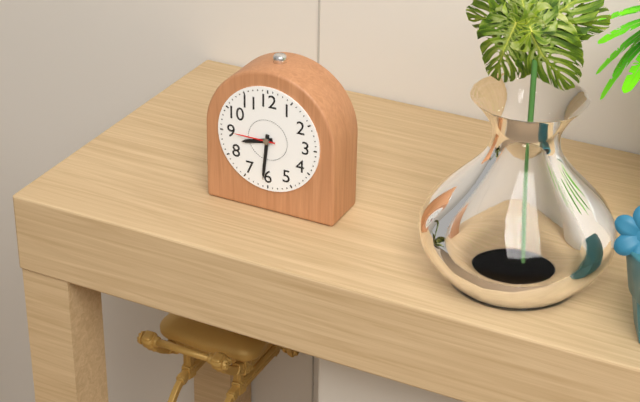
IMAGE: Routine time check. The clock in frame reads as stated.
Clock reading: 8:31
